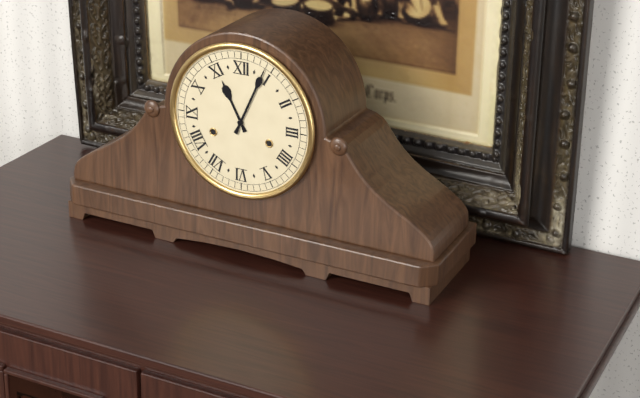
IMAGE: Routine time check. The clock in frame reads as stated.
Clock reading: 11:04
